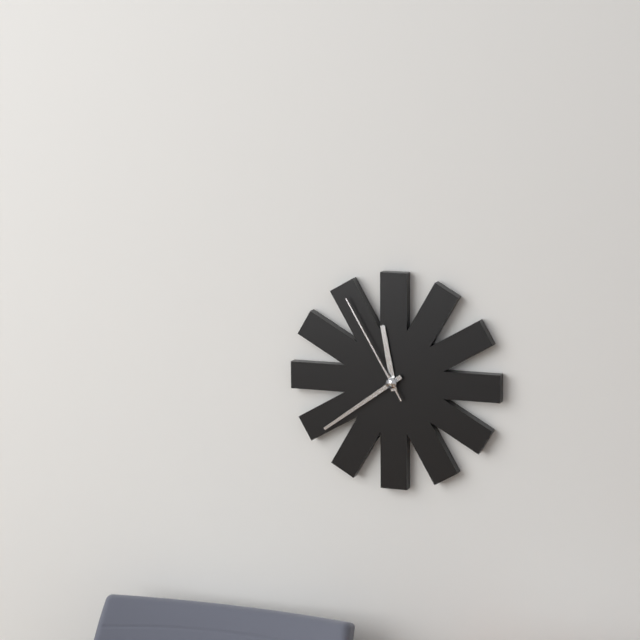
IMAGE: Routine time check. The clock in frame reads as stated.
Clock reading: 11:39:55
